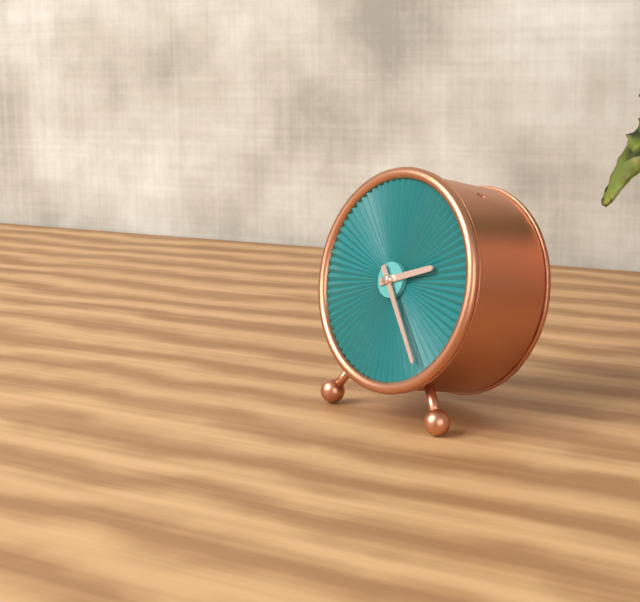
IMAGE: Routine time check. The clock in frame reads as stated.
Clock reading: 2:24
